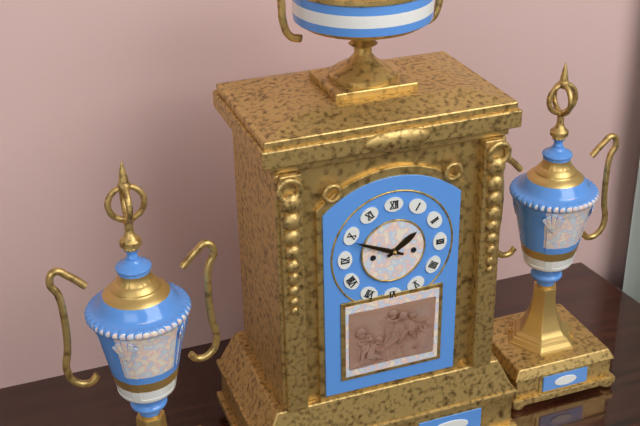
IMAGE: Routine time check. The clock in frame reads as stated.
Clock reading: 1:49
